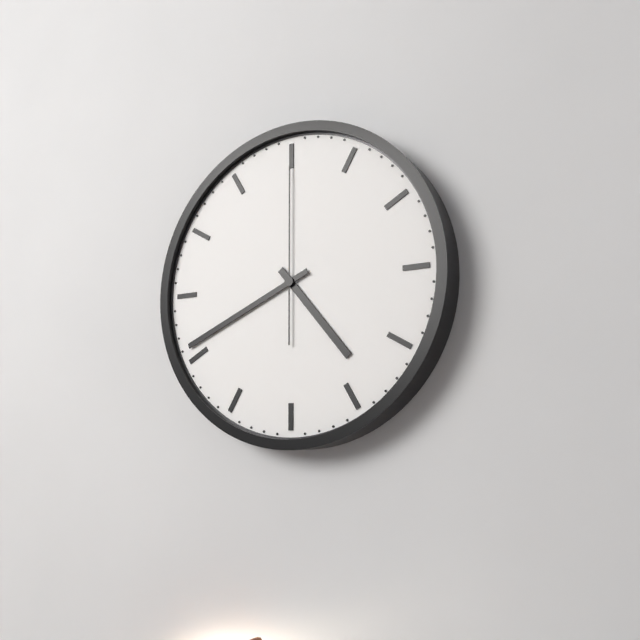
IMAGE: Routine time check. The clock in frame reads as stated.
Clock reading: 4:41:00
